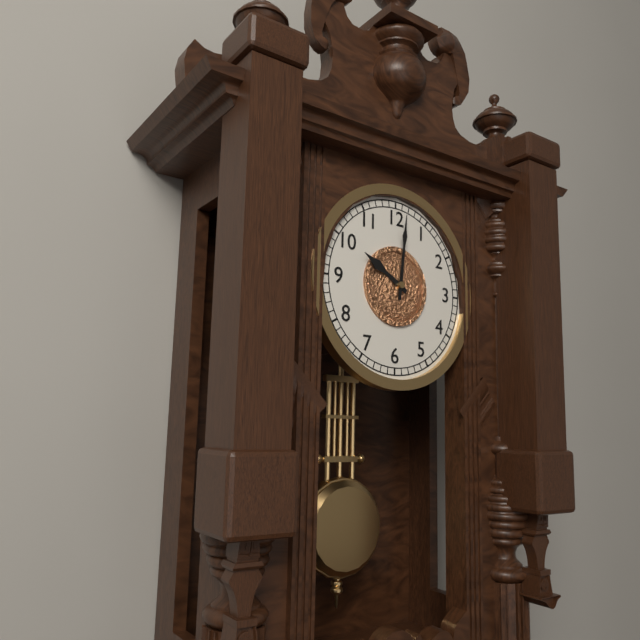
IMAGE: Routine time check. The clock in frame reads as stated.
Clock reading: 10:01
